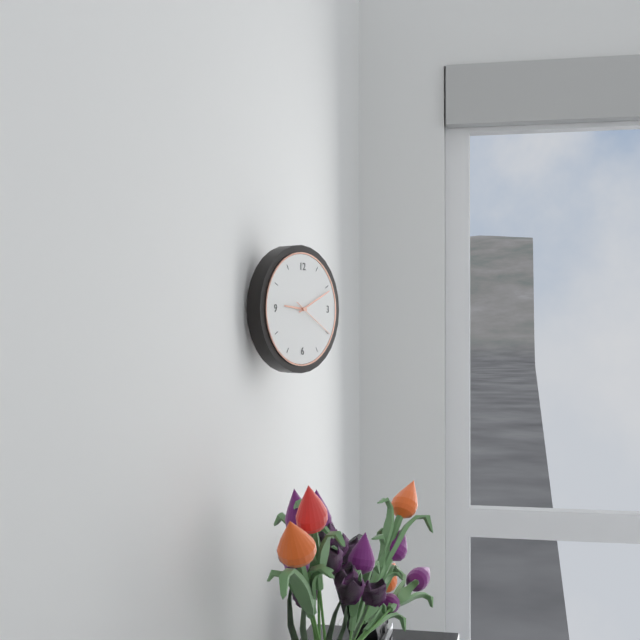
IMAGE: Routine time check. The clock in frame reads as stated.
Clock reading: 9:11
